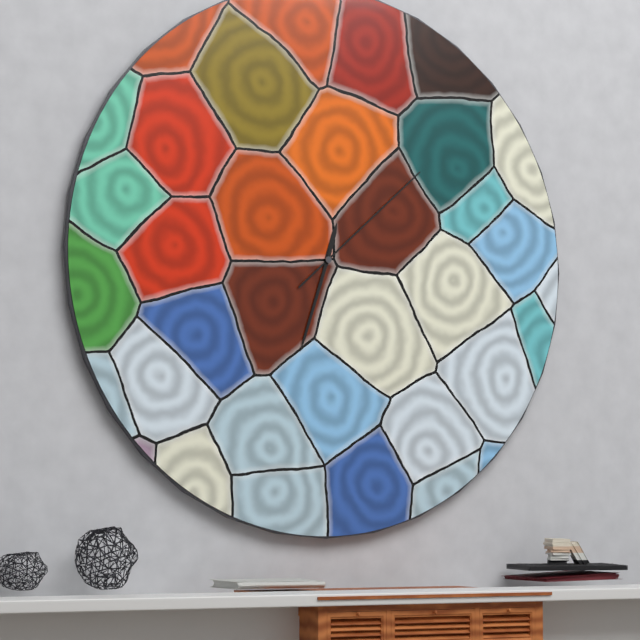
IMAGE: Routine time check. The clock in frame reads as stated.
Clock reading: 12:33:08
